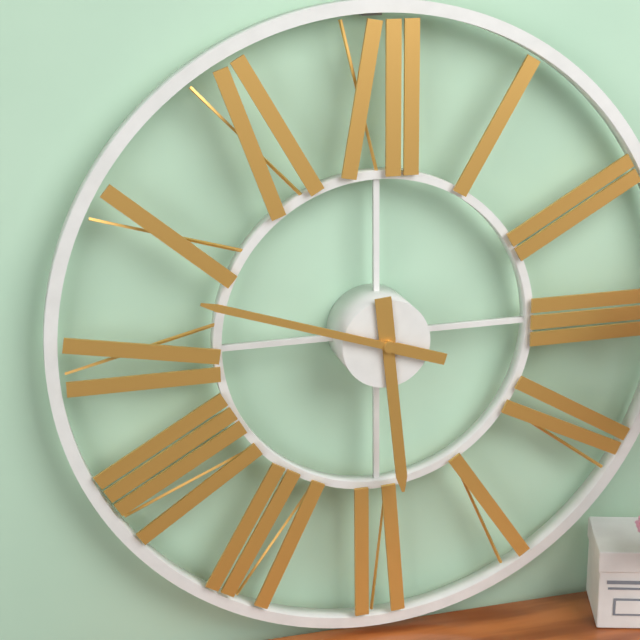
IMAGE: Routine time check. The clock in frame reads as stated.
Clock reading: 5:48
